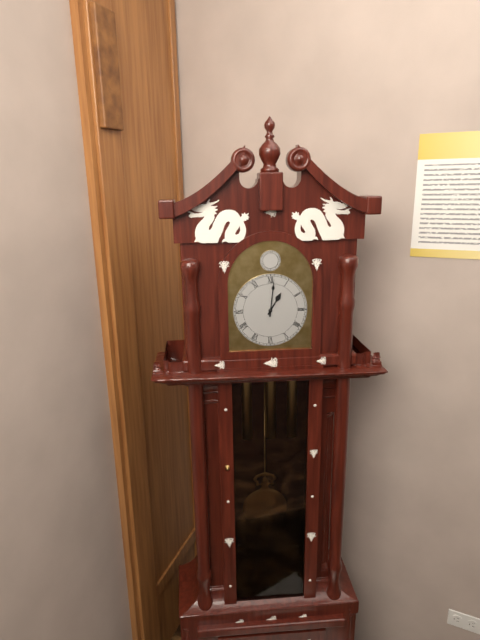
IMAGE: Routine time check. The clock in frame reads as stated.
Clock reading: 1:01
